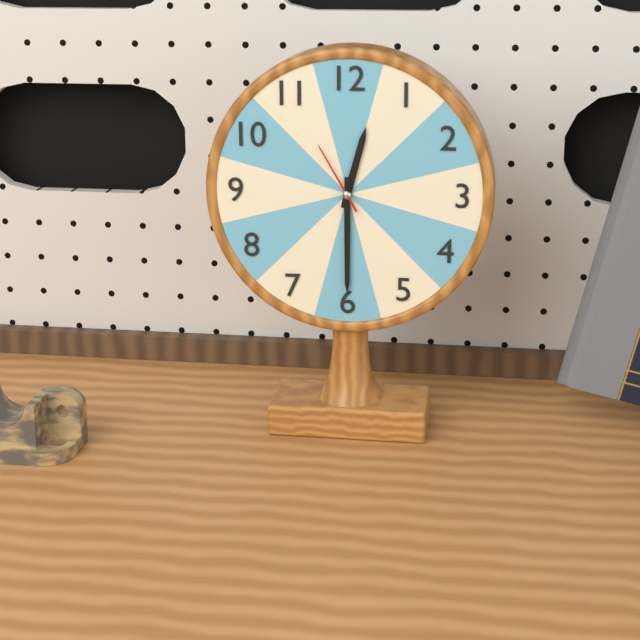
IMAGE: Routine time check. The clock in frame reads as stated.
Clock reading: 12:30:55
